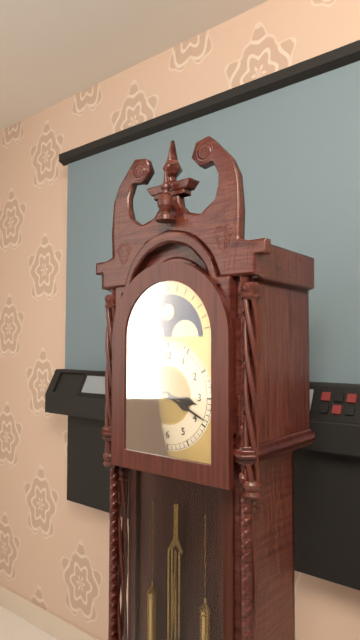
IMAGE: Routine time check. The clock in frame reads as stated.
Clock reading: 3:19
